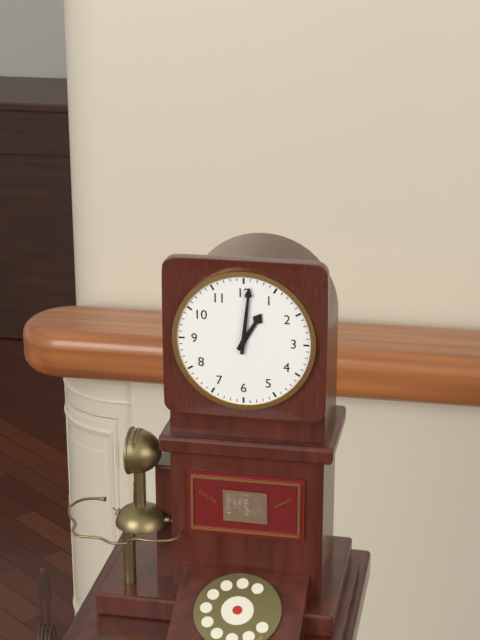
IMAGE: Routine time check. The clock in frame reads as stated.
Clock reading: 1:01
